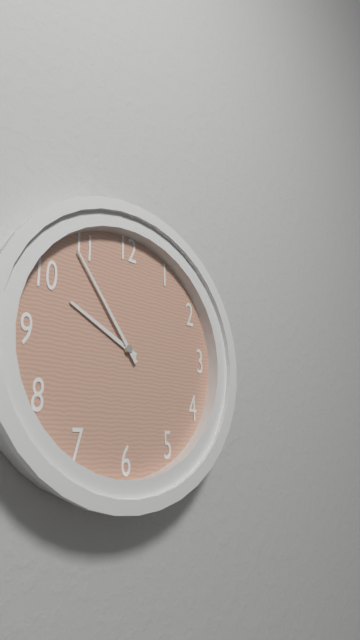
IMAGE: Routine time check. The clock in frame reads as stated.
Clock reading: 9:54
